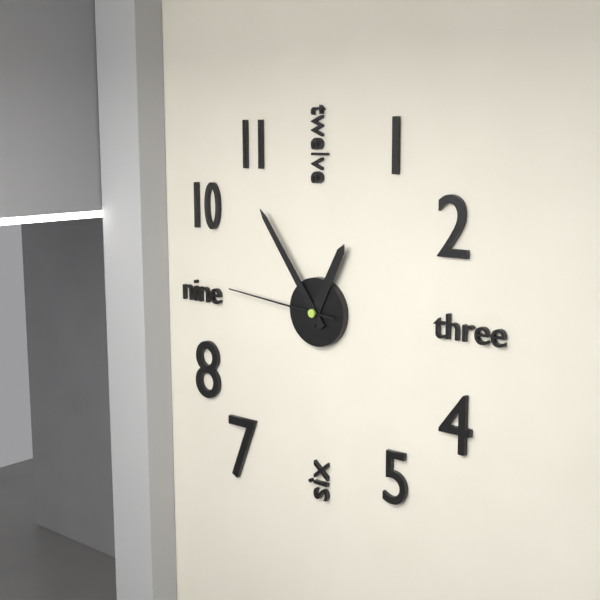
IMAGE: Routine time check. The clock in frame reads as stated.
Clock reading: 12:54:46
